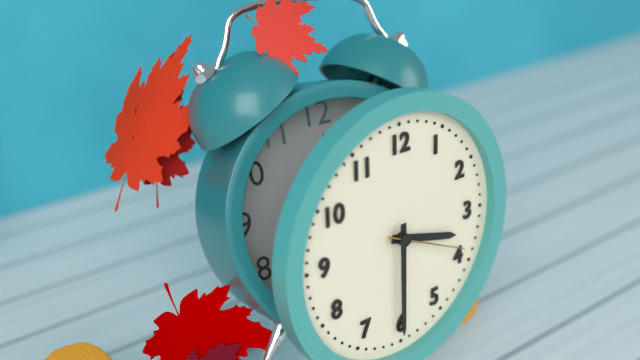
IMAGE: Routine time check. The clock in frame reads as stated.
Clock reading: 3:30:19
